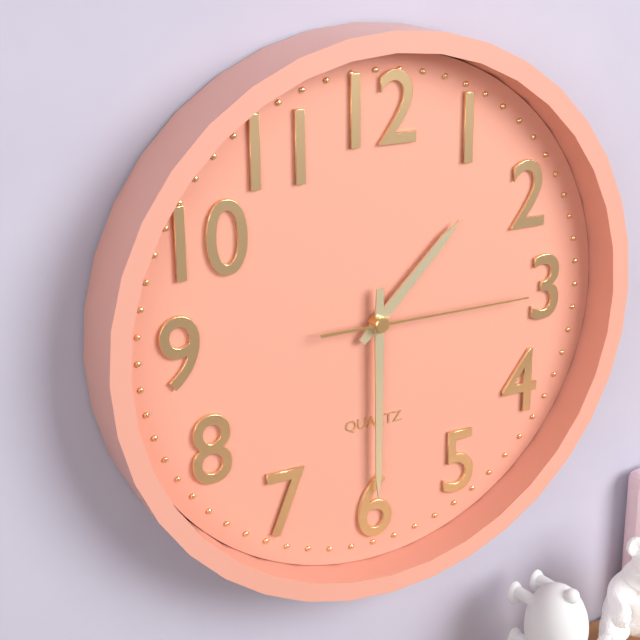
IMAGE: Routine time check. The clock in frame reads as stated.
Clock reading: 1:30:15
